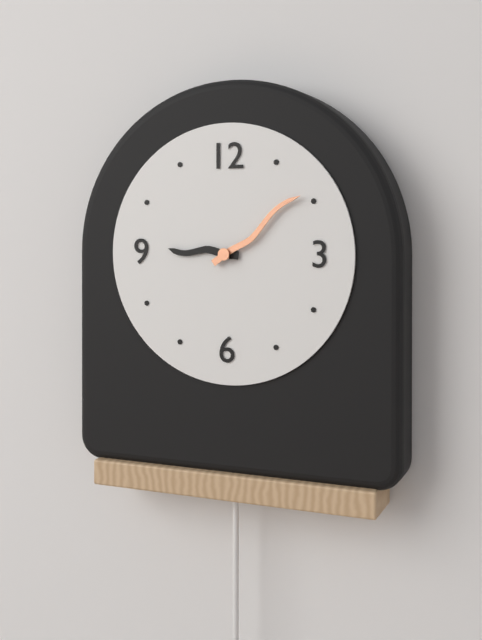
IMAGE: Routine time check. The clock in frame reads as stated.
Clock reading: 9:09
